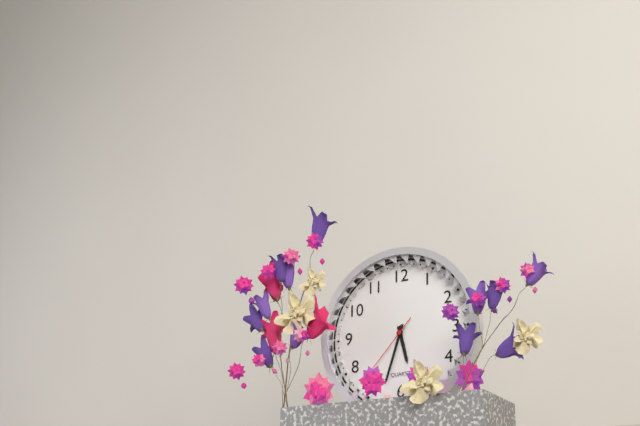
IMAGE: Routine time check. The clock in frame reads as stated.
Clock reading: 5:33:37
